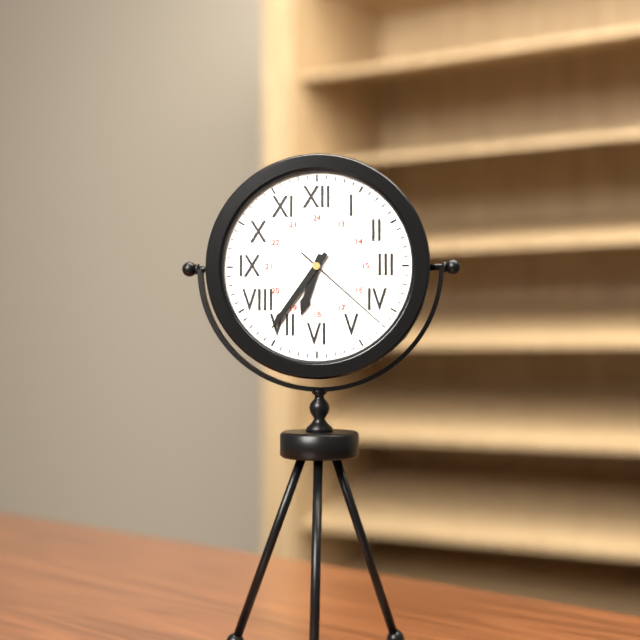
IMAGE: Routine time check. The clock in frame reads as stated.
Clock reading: 6:36:22
